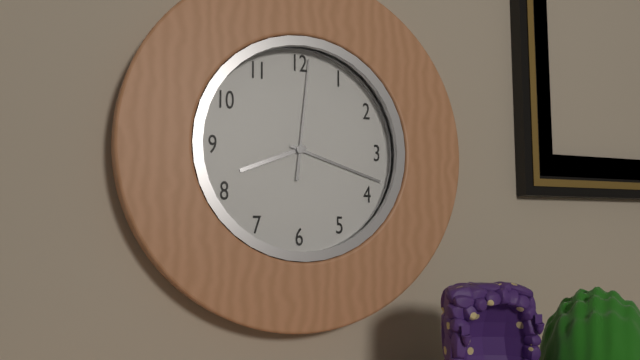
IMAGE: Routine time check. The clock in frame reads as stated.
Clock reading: 8:18:01
